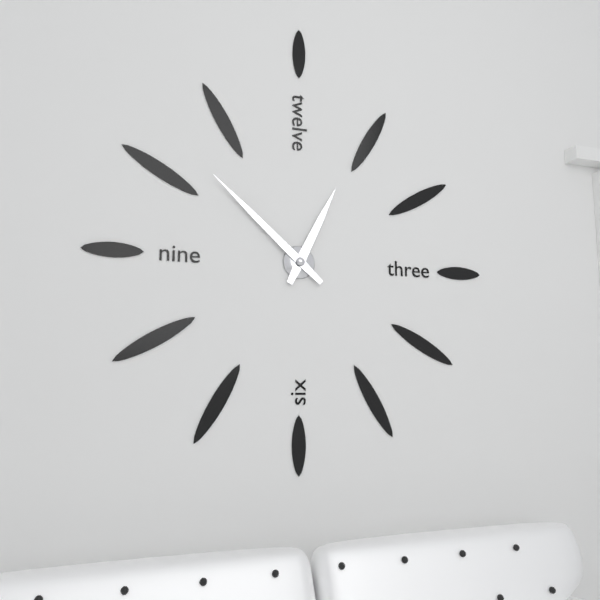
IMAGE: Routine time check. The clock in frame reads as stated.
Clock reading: 12:52
